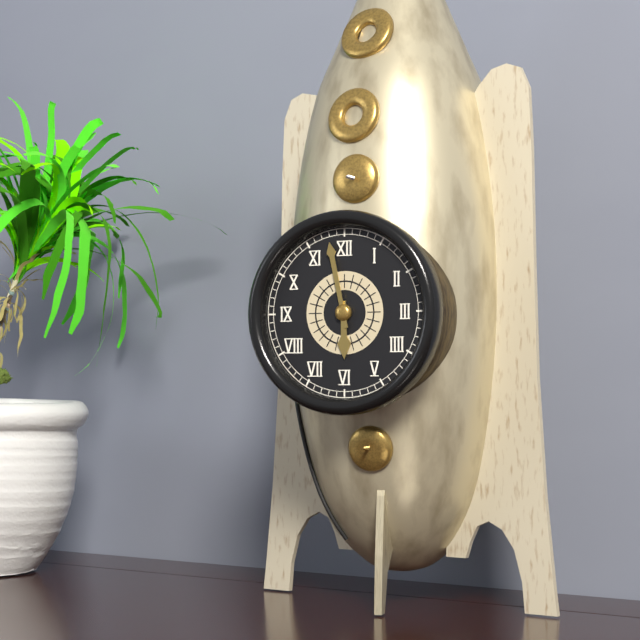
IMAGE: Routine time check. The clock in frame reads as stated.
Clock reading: 5:58
